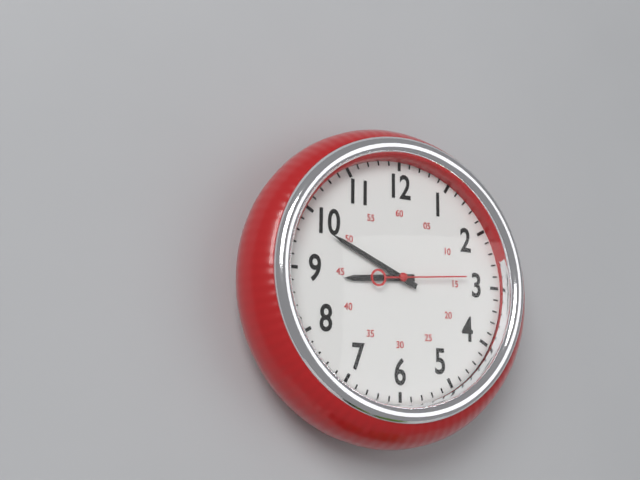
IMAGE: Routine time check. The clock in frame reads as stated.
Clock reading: 8:49:14
